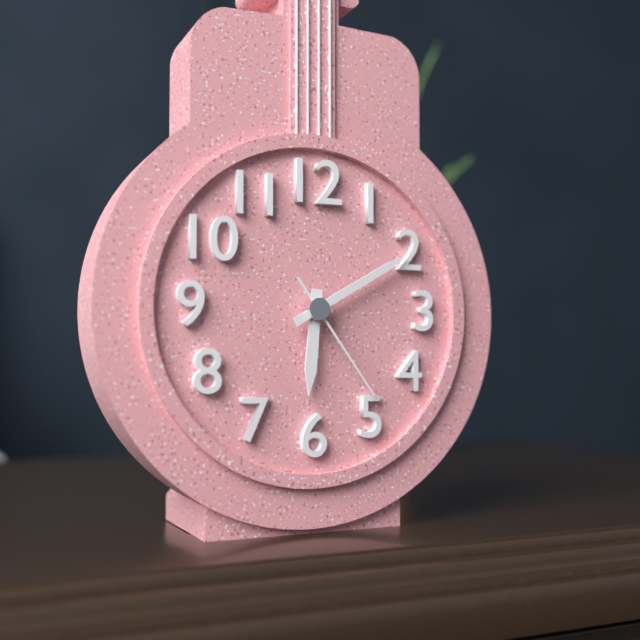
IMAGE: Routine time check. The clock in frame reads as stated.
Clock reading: 6:10:24
